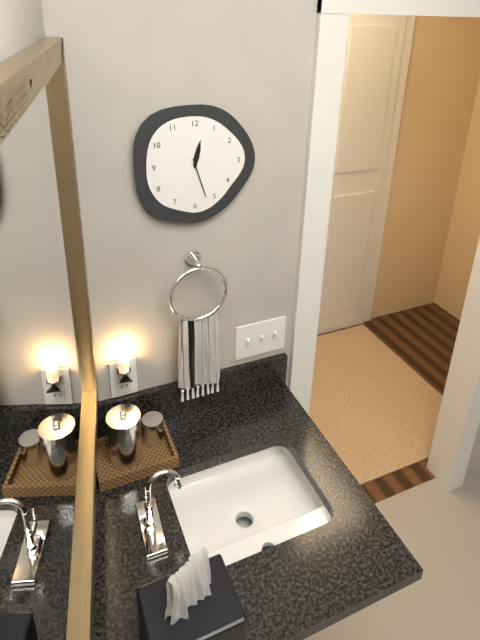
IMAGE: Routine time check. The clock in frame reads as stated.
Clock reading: 12:27
